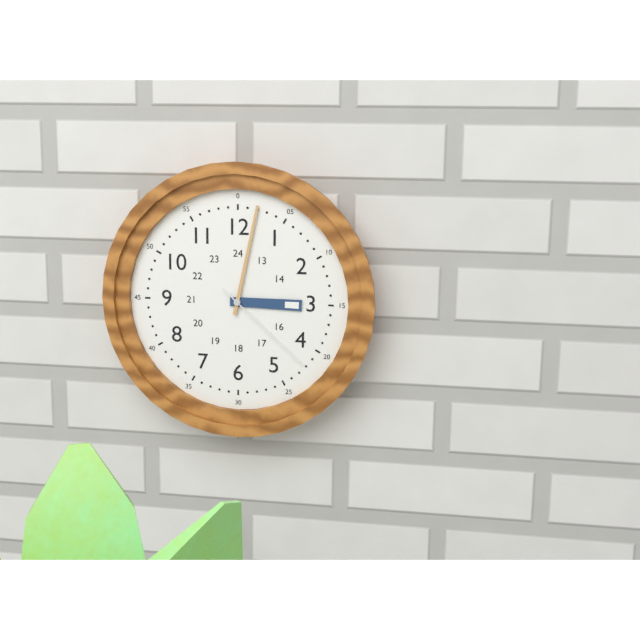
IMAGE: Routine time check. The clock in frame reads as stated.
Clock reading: 3:02:22
